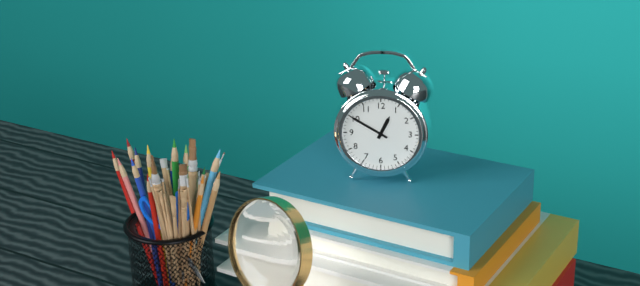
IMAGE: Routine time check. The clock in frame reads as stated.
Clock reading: 12:50
